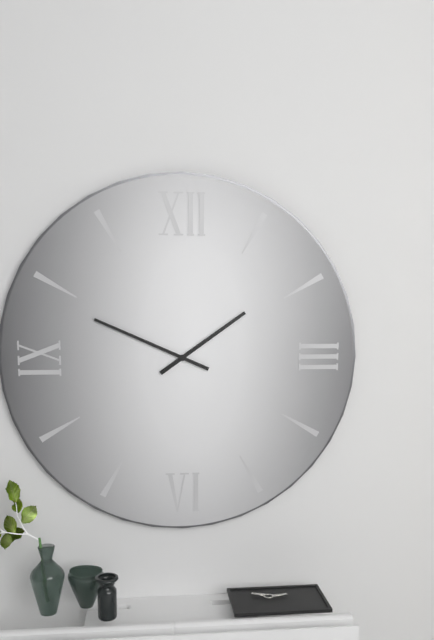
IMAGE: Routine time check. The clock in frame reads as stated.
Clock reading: 1:49
